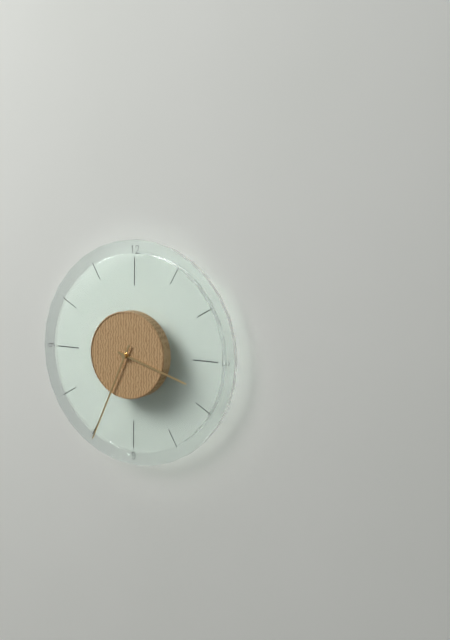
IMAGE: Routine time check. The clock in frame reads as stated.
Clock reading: 3:34
